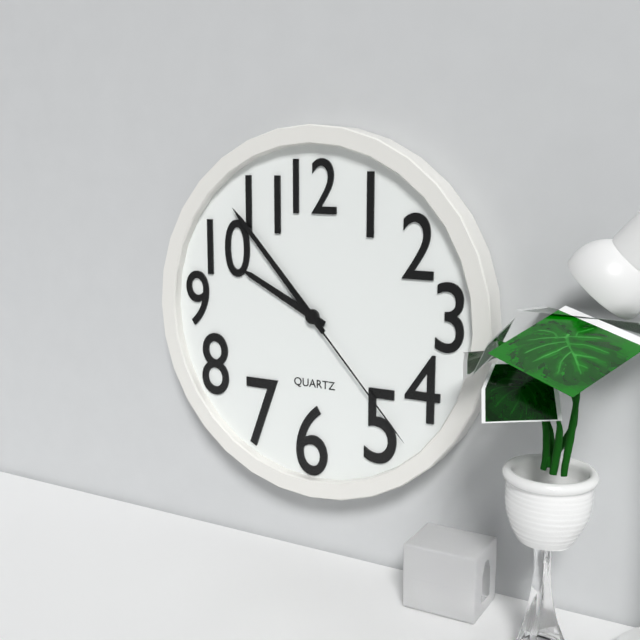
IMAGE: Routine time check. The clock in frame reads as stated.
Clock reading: 9:53:23
